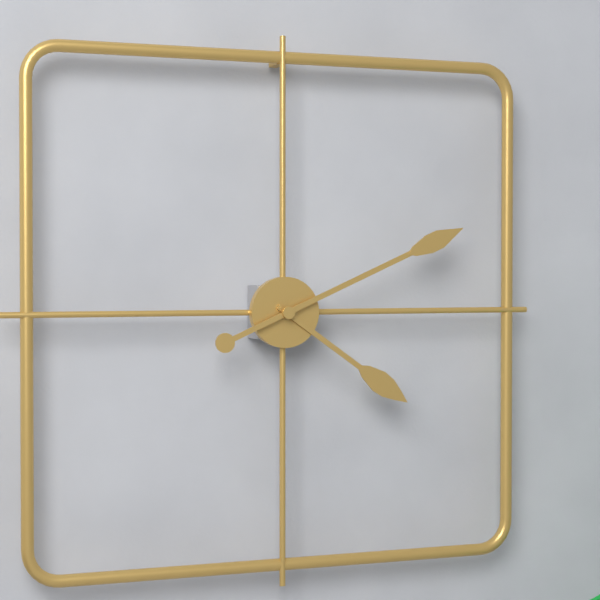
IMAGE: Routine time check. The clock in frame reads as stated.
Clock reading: 4:11
